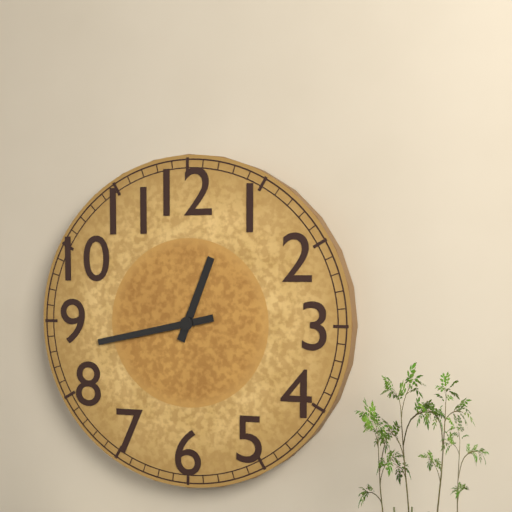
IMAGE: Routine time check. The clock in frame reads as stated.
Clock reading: 12:43
